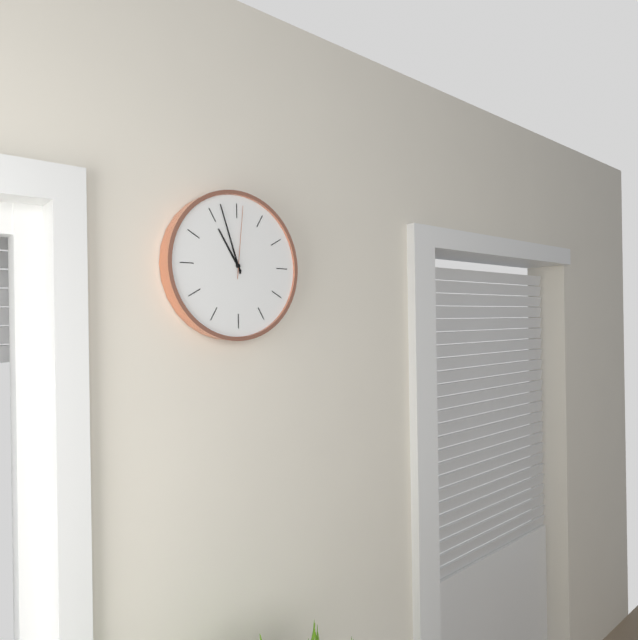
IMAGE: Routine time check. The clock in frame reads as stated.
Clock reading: 10:57:01
